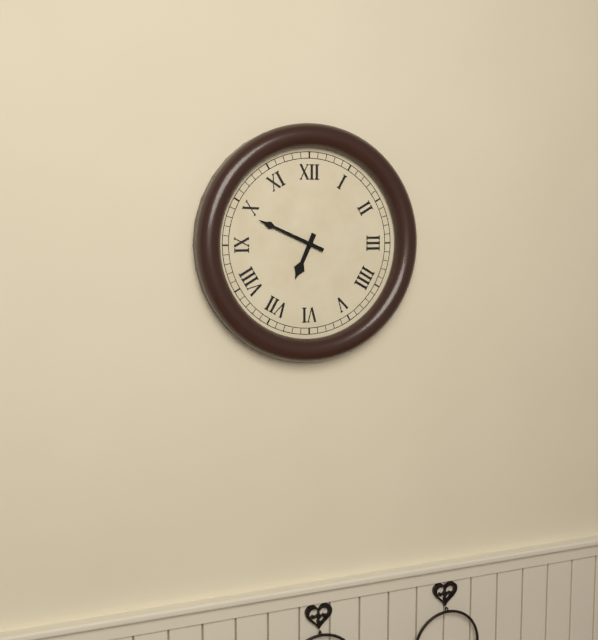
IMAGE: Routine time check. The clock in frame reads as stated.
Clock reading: 6:49
